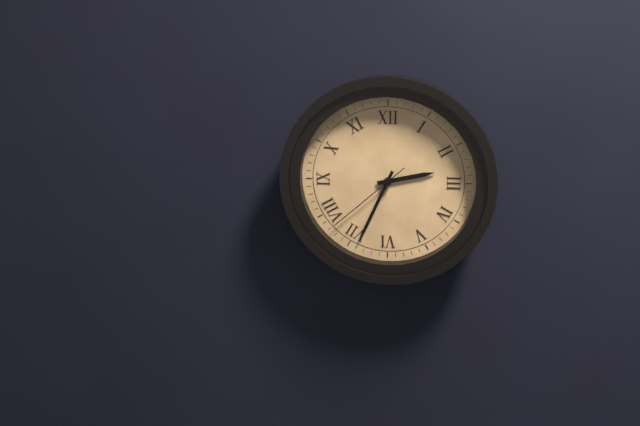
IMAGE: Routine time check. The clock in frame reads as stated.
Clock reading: 2:34:38
